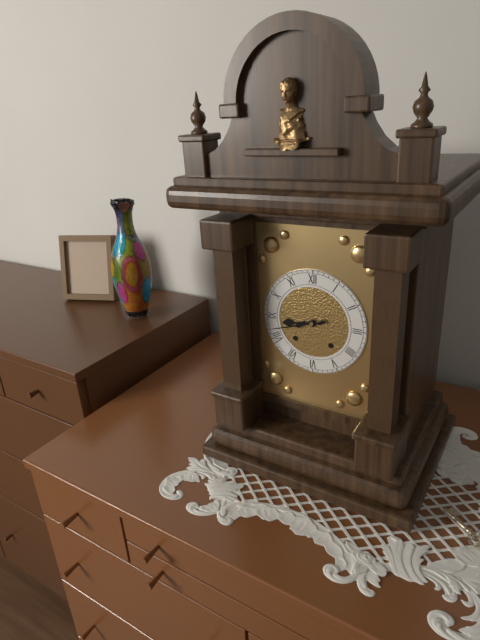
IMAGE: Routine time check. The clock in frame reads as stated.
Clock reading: 8:42
